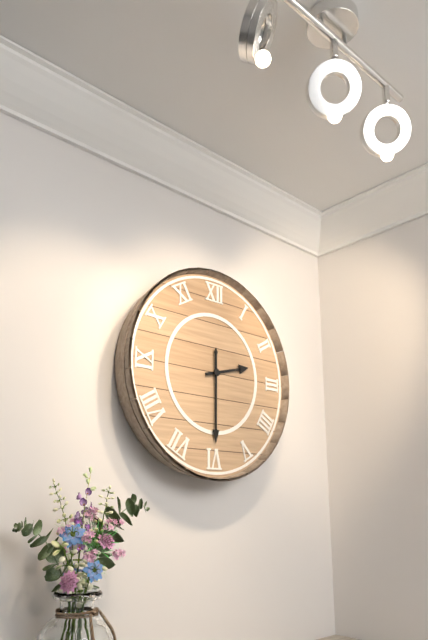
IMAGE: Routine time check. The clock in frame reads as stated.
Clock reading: 2:30
